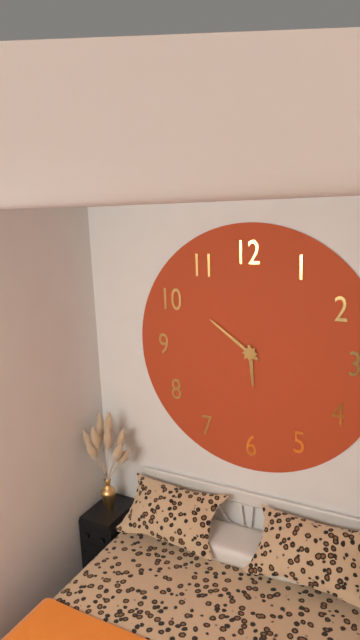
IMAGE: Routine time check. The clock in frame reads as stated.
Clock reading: 5:51
